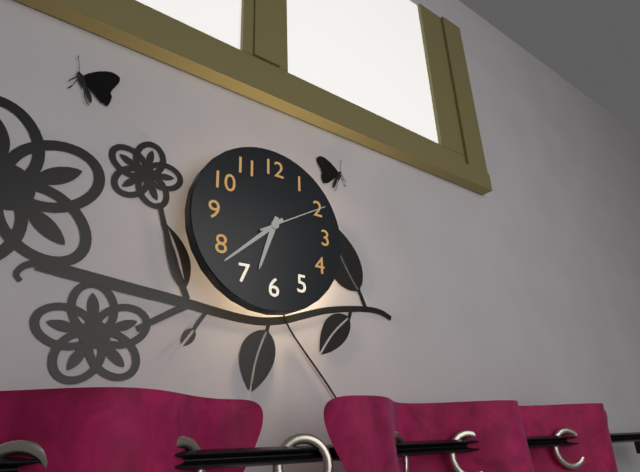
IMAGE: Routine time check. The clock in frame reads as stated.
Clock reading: 6:38:10
